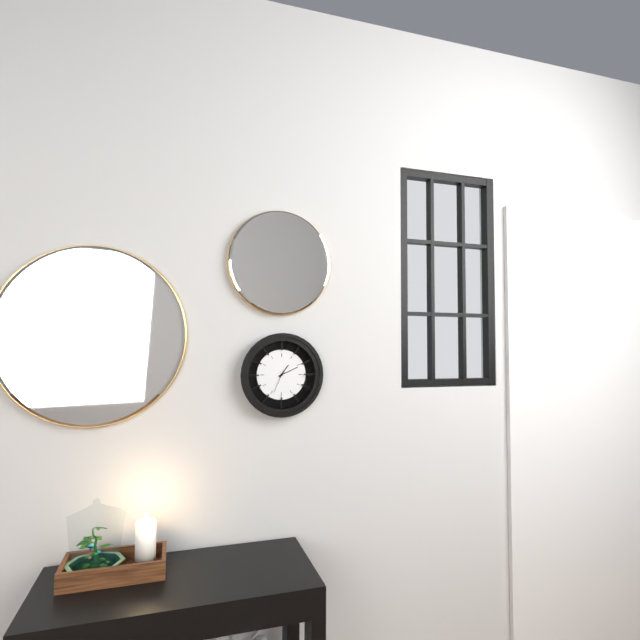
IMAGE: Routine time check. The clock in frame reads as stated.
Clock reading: 1:11
